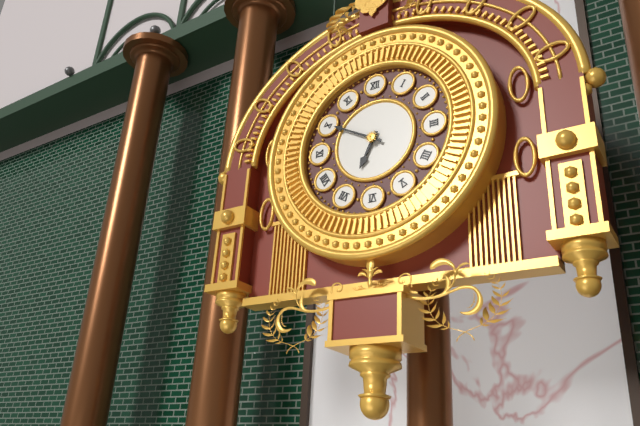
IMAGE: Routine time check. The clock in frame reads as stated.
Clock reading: 6:50
